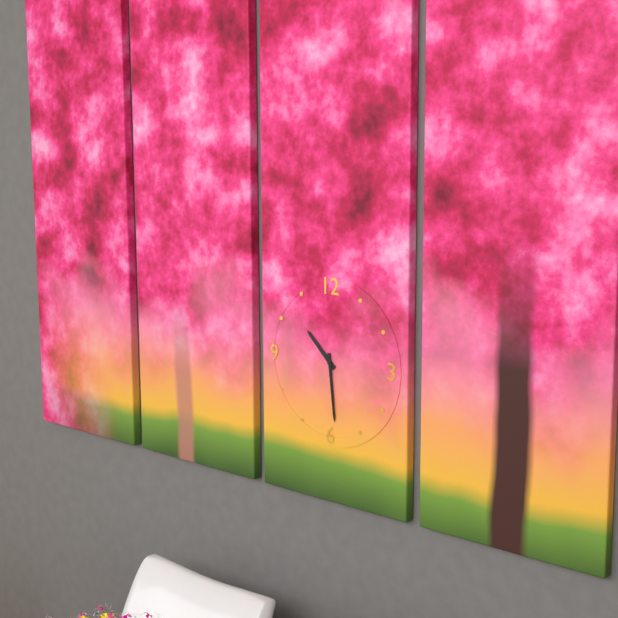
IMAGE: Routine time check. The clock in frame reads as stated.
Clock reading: 10:29
